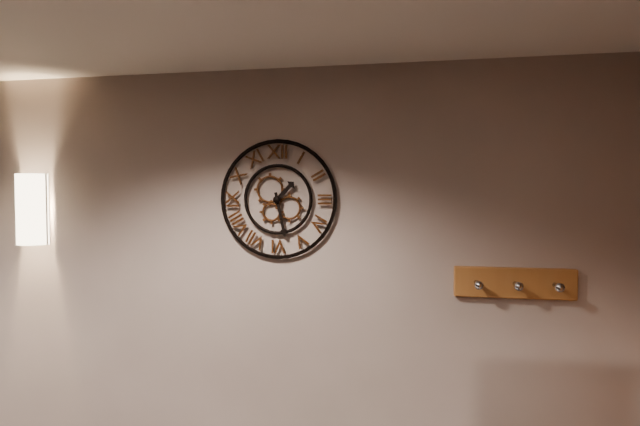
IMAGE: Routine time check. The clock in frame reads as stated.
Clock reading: 1:28
